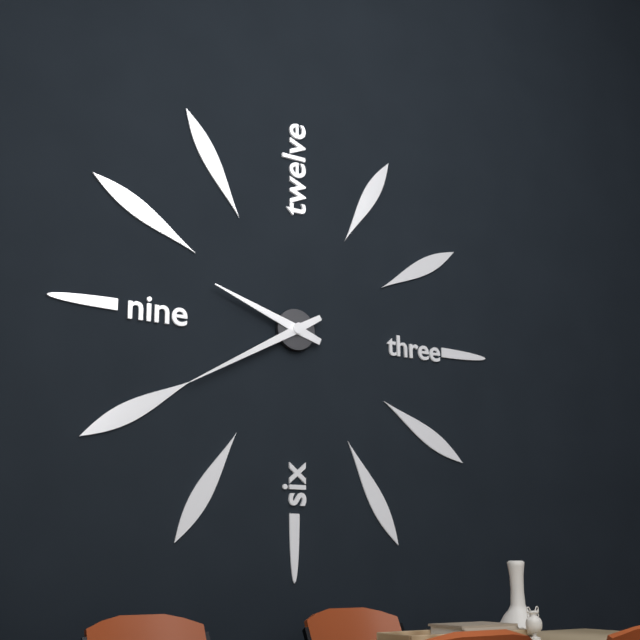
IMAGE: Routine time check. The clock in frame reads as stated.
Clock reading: 9:40
